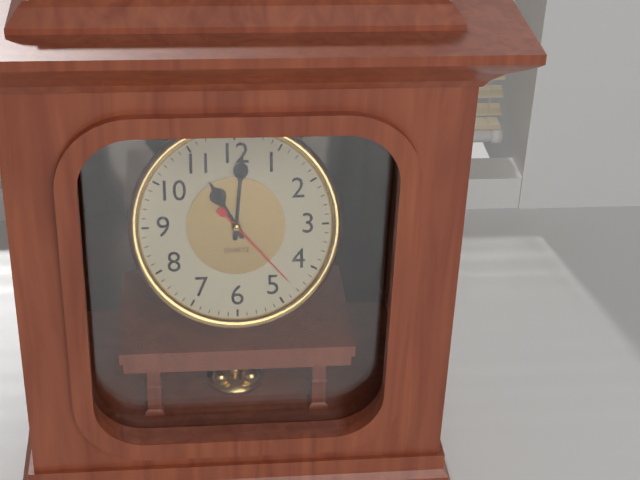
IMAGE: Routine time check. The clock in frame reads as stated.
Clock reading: 11:01:23
